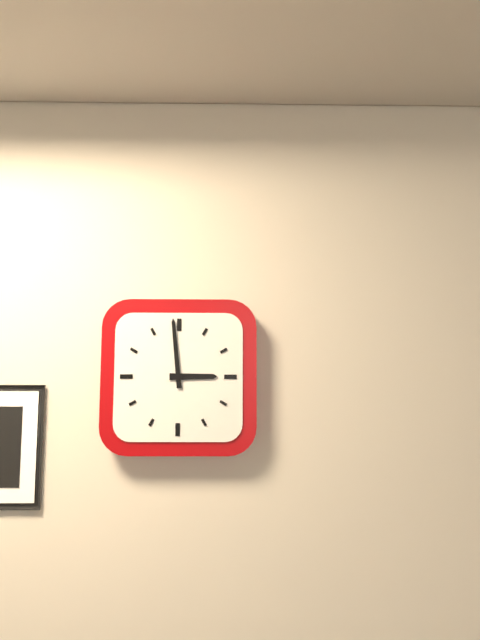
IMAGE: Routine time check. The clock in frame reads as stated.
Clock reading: 2:59
